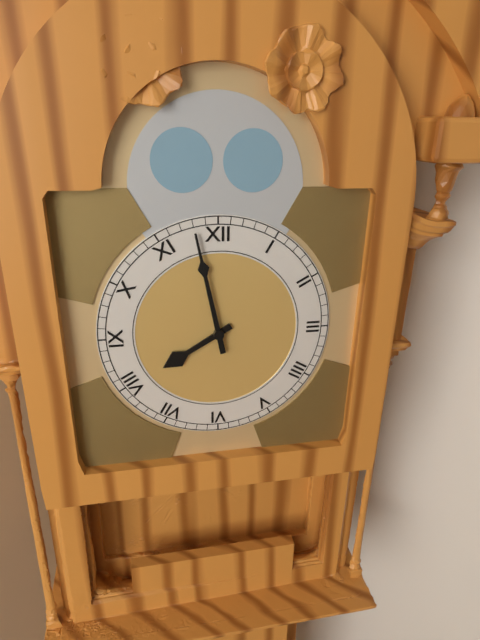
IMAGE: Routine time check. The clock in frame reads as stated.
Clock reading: 7:58
